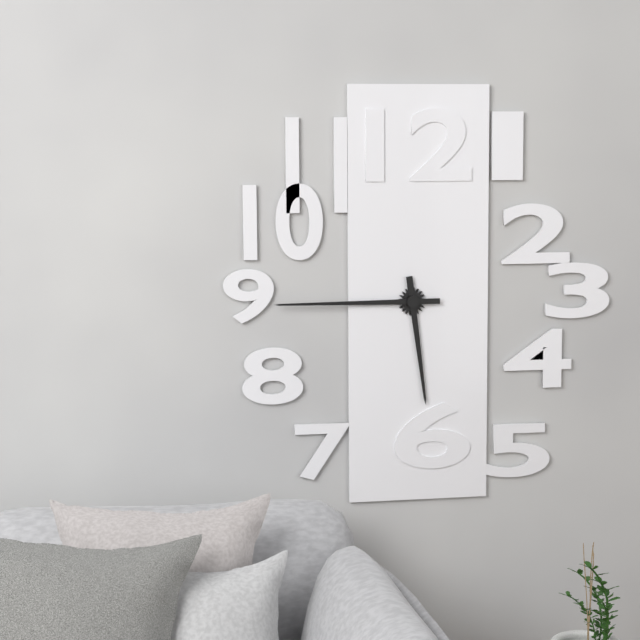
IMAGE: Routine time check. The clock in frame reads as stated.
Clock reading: 5:45
